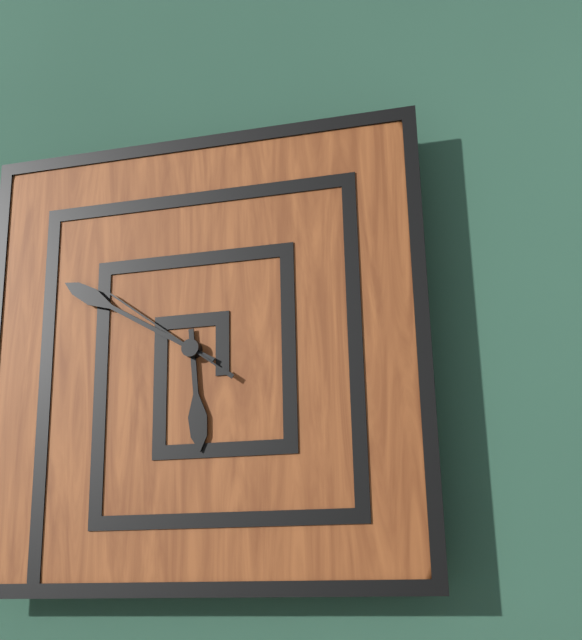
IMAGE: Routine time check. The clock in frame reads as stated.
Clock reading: 5:50:51
